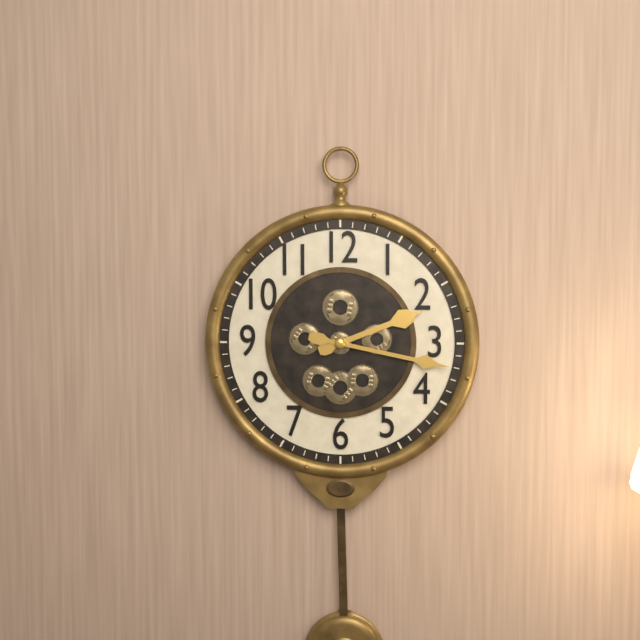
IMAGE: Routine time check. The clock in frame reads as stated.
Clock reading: 2:17
